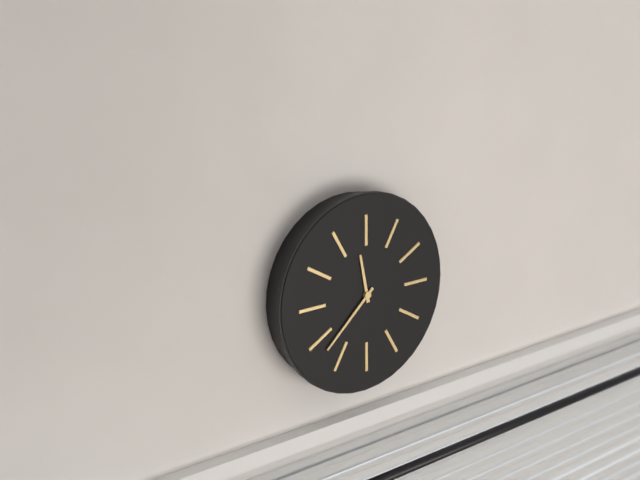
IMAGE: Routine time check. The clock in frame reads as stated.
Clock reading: 11:38
